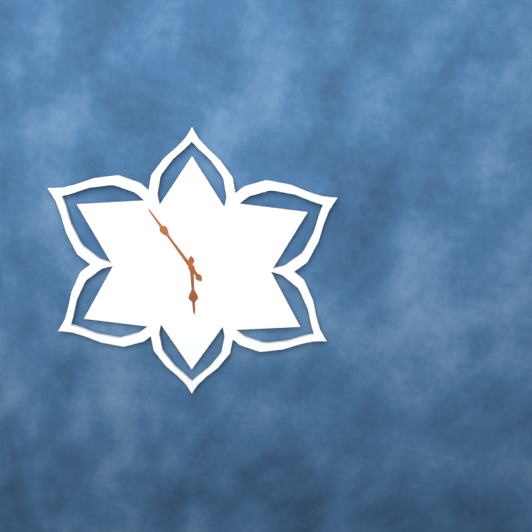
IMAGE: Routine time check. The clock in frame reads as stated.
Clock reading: 5:54
